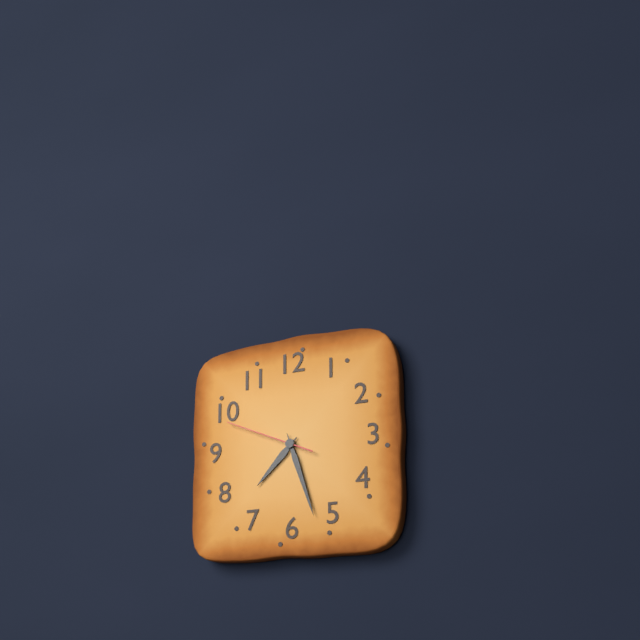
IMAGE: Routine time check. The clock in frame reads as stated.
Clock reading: 7:27:49
